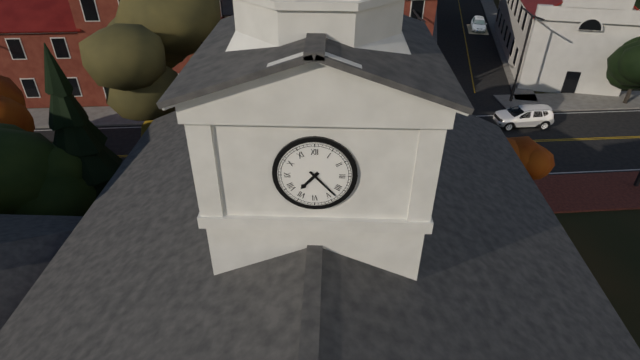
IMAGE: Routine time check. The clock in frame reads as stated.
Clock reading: 7:23
